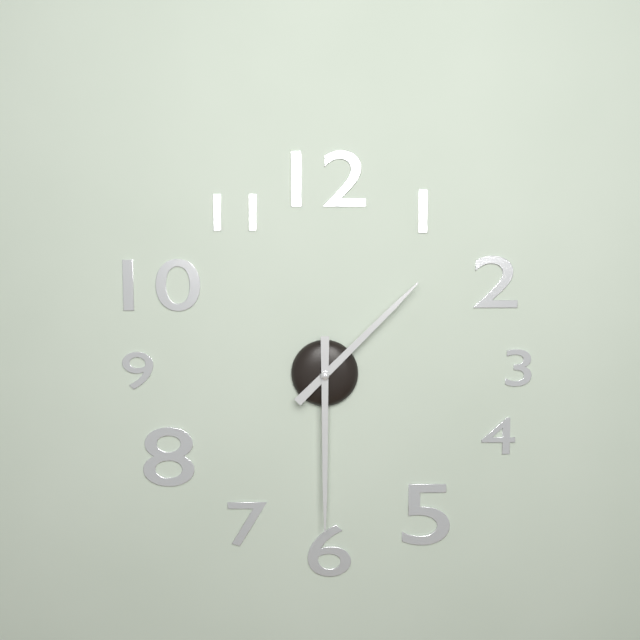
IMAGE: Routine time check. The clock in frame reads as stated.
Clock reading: 1:30
